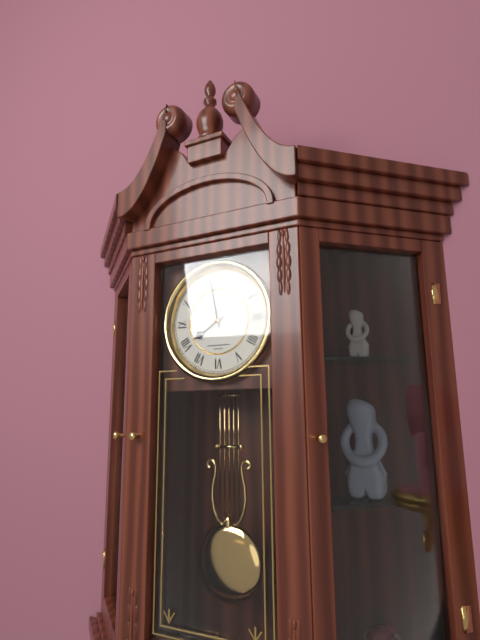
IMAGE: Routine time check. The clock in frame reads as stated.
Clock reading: 7:58
